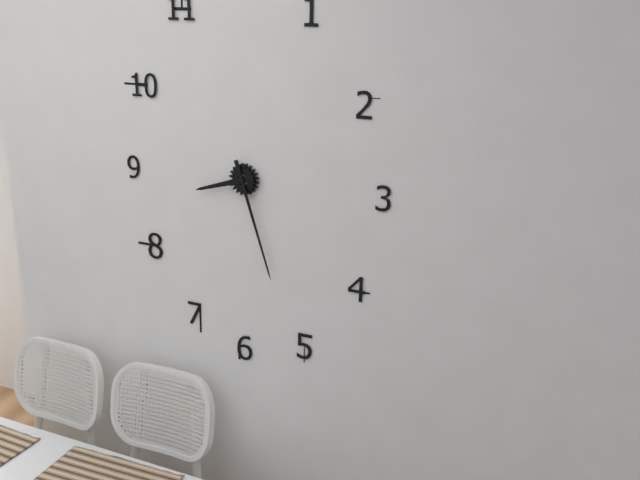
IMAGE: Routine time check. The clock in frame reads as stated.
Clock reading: 8:27
